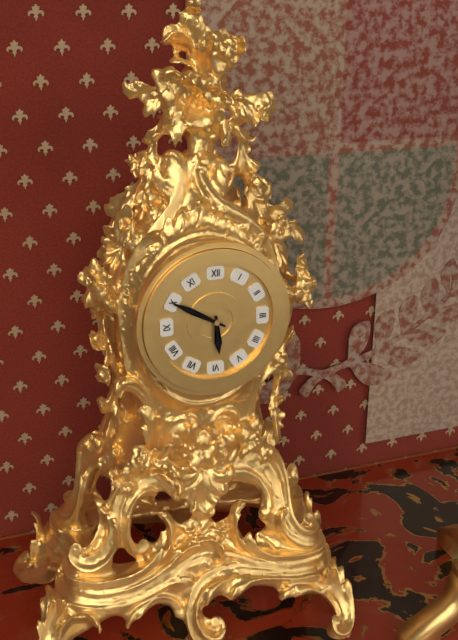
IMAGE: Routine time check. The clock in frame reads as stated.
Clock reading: 5:50
